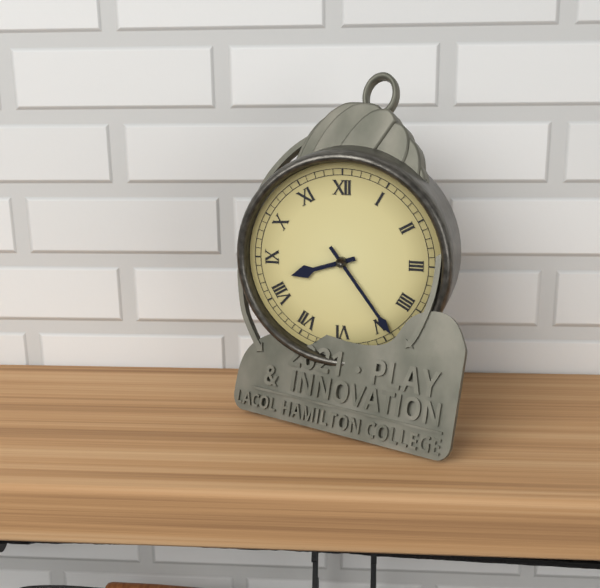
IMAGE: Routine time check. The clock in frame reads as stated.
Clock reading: 8:24
